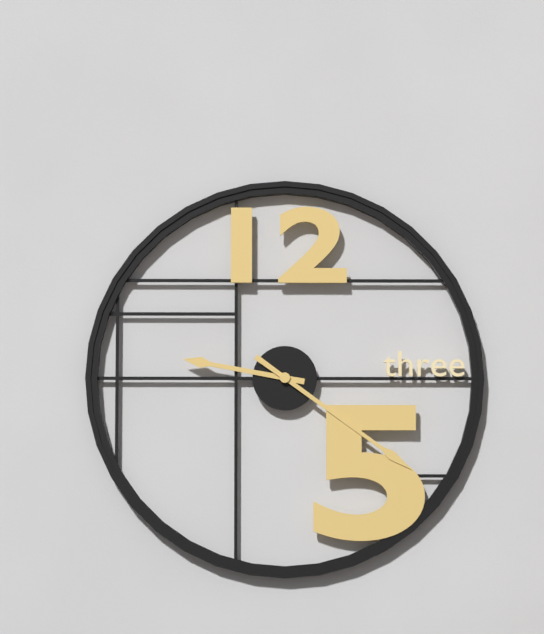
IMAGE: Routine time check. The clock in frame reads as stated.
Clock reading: 9:21
